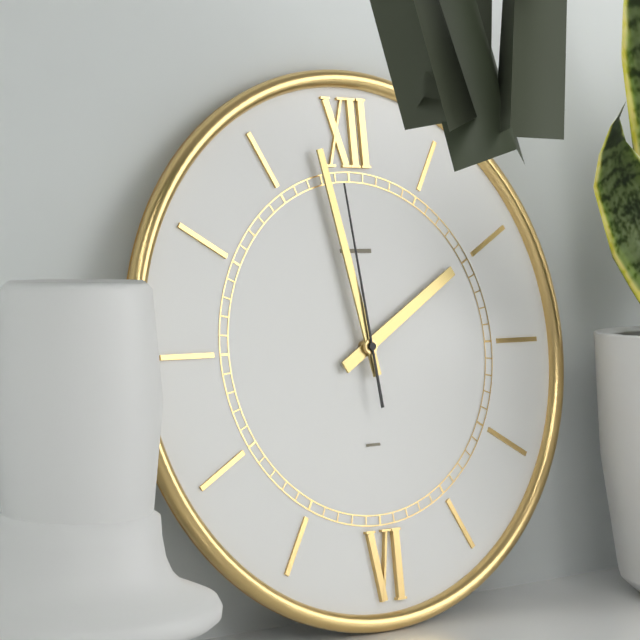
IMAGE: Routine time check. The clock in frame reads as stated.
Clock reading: 1:58:59
